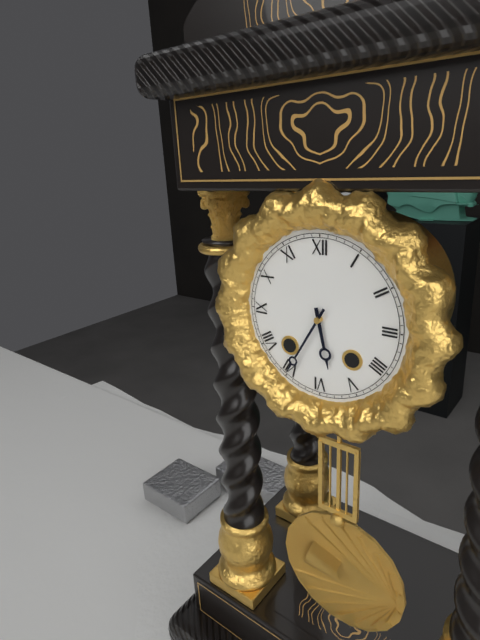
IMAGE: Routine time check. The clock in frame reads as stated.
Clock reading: 5:35
